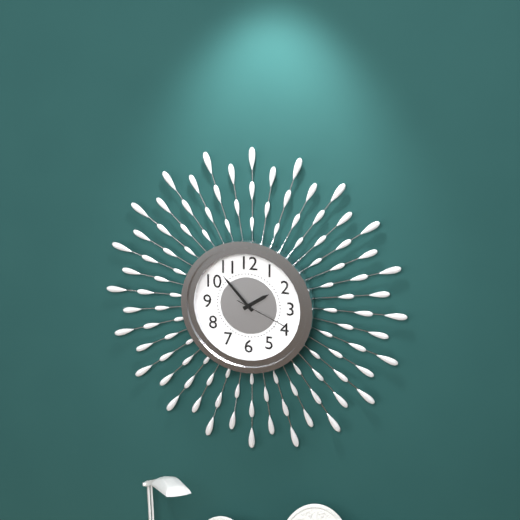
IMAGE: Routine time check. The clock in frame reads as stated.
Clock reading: 1:53:19
